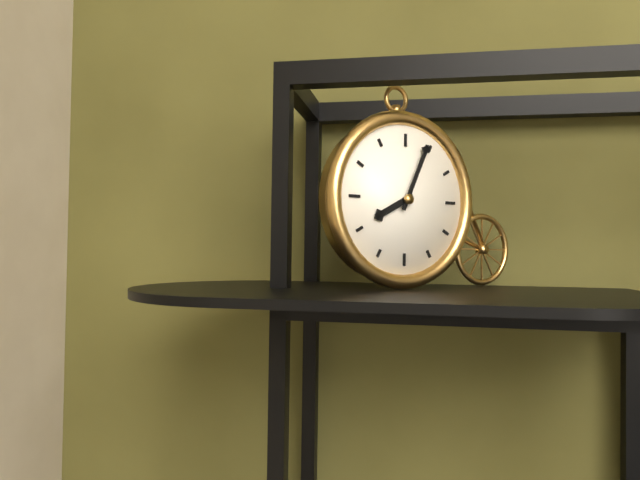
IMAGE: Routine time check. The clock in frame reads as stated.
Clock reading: 8:04
